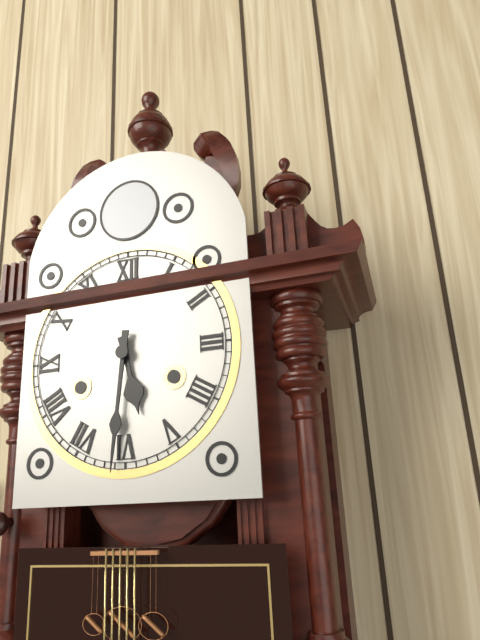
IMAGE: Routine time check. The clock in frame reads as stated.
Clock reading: 5:31
